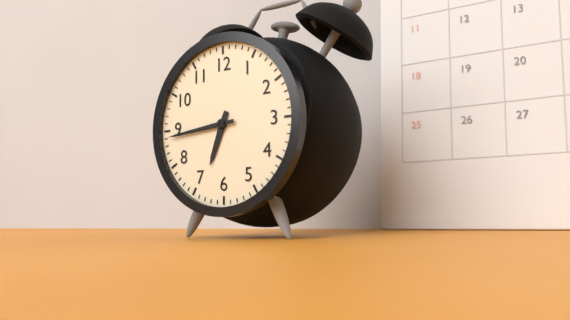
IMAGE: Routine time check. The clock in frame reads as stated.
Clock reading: 6:44
